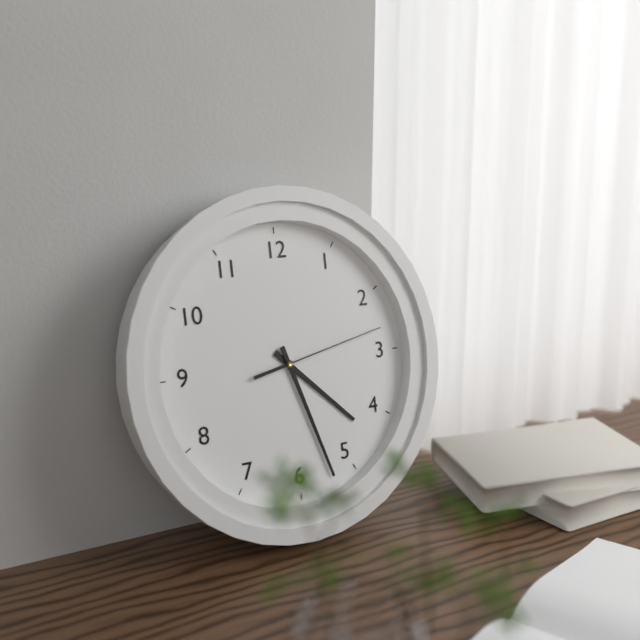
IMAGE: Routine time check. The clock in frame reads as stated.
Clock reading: 4:27:13
